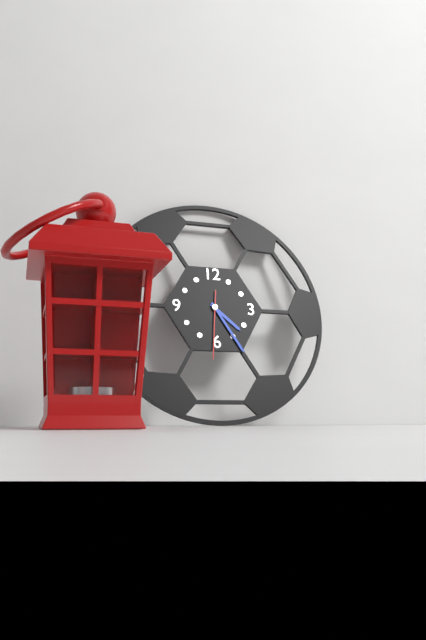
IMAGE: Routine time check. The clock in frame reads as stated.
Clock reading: 4:25:31
